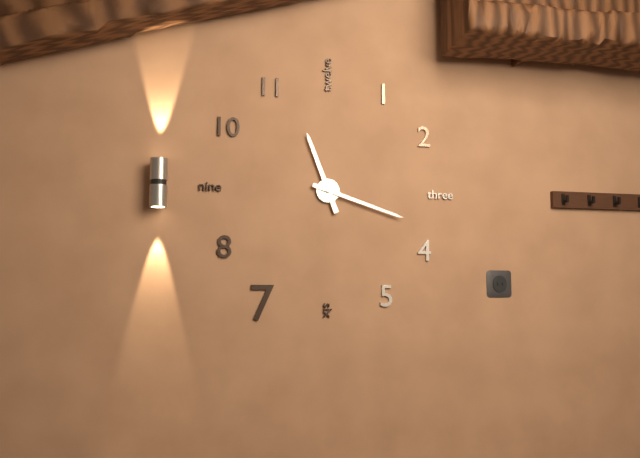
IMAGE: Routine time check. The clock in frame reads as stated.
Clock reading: 11:18
